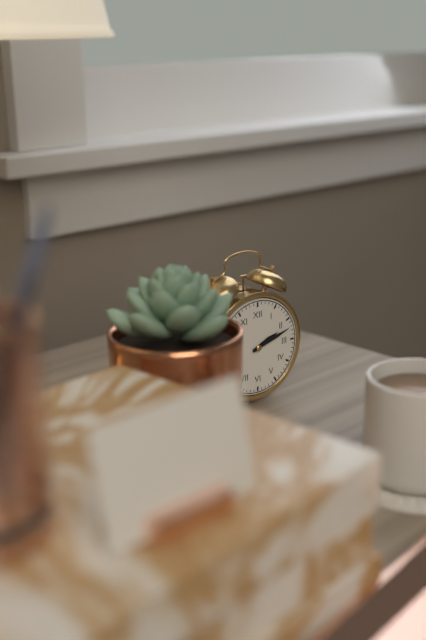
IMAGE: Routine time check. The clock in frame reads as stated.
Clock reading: 2:12
